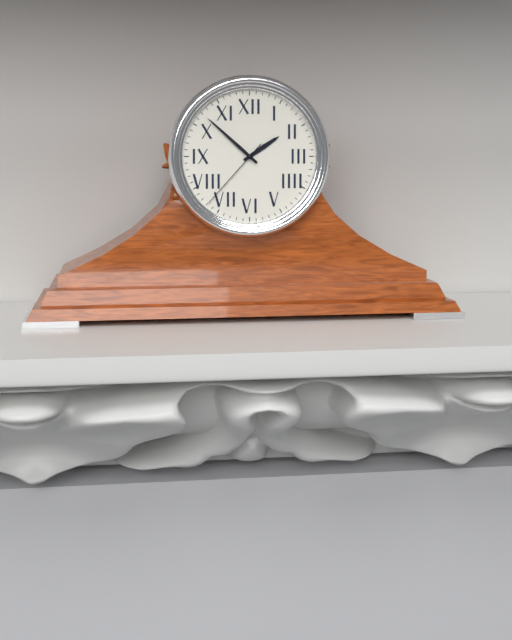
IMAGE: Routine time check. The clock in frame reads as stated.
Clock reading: 1:52:37
